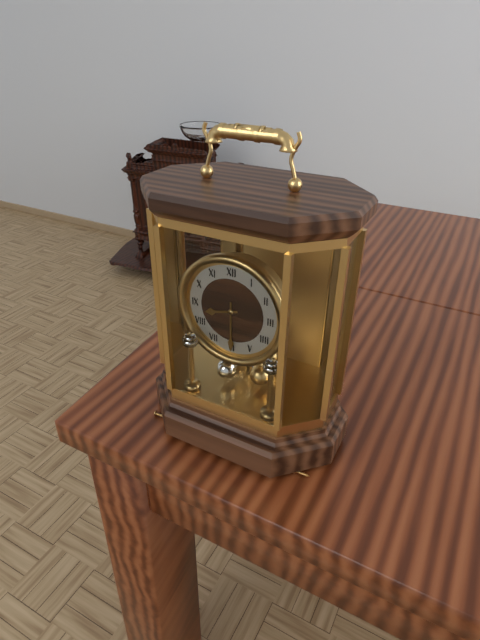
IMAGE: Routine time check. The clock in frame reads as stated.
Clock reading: 8:30
